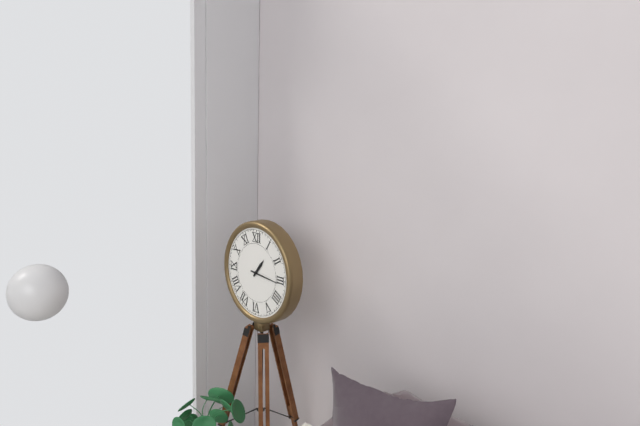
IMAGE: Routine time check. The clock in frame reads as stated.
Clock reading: 1:16
